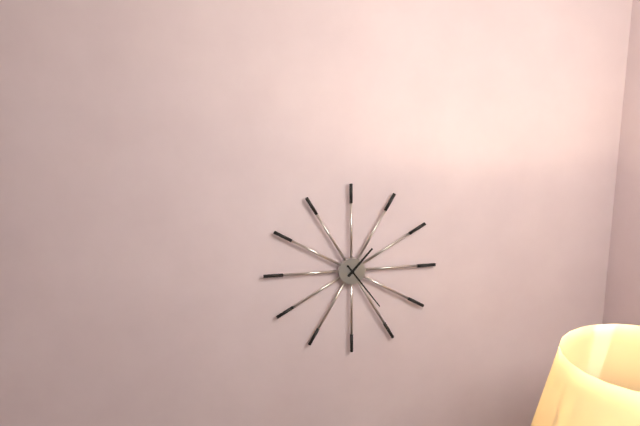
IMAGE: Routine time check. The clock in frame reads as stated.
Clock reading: 1:24
